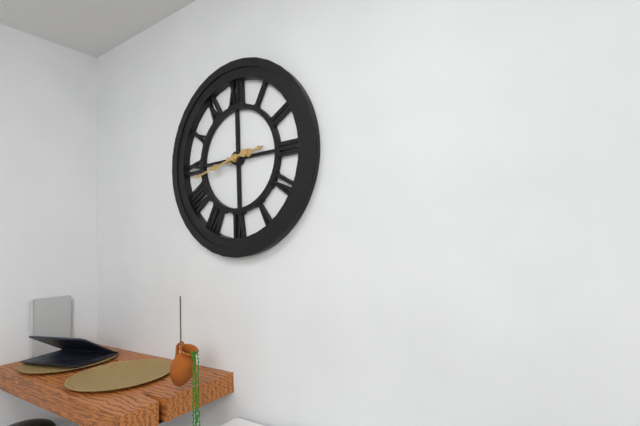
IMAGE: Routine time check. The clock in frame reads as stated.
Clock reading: 2:43
